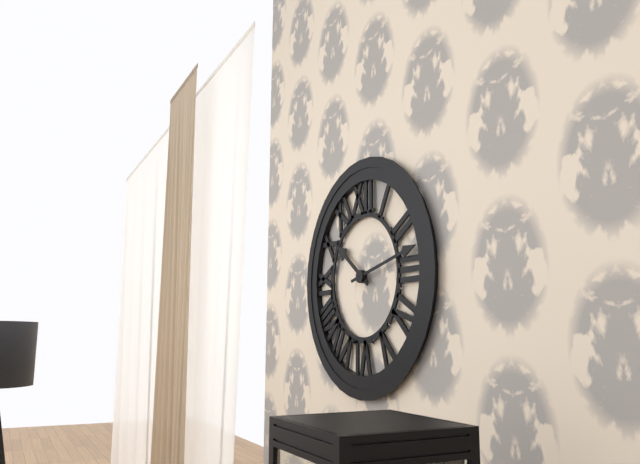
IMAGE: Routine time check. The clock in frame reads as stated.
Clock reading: 10:13
